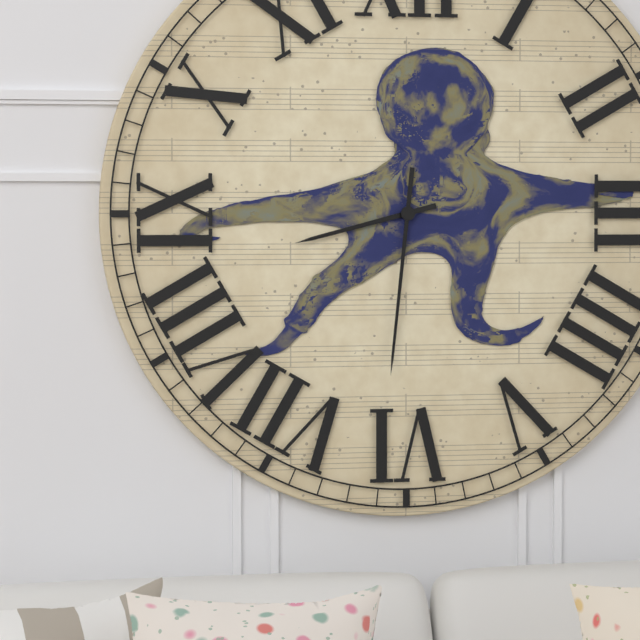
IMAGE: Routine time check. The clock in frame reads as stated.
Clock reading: 8:31
